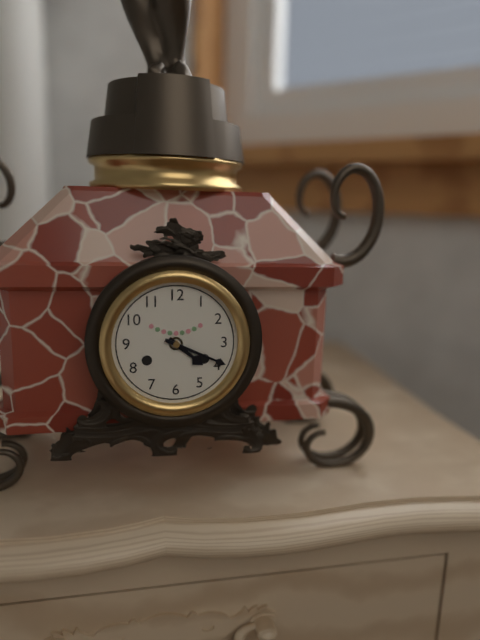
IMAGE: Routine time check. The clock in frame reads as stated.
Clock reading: 4:19
